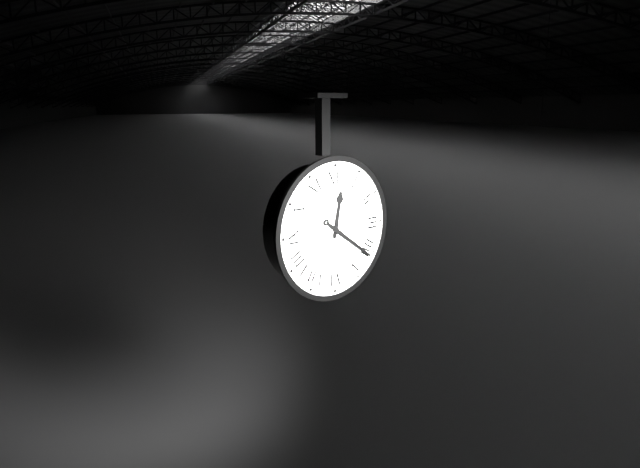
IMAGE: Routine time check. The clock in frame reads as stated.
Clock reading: 12:21
